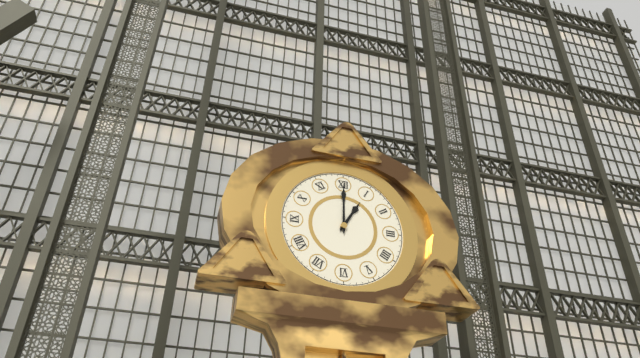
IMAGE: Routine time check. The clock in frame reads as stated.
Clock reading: 1:00
